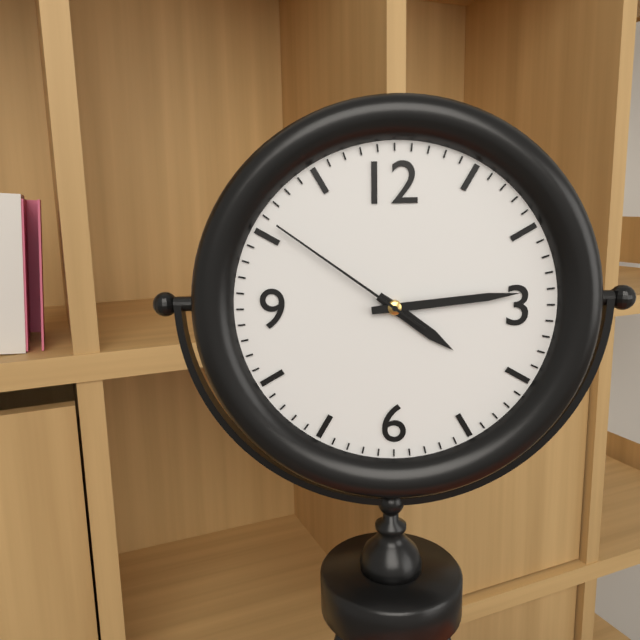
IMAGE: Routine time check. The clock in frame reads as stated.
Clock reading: 4:14:51
